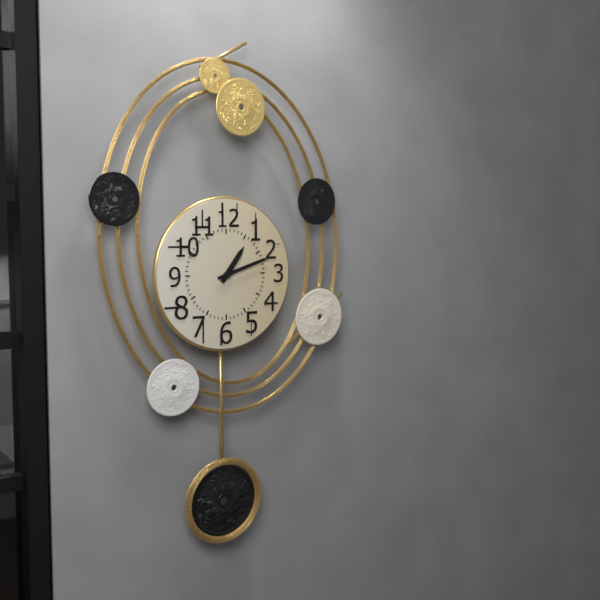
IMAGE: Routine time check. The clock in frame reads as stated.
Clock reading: 1:12
